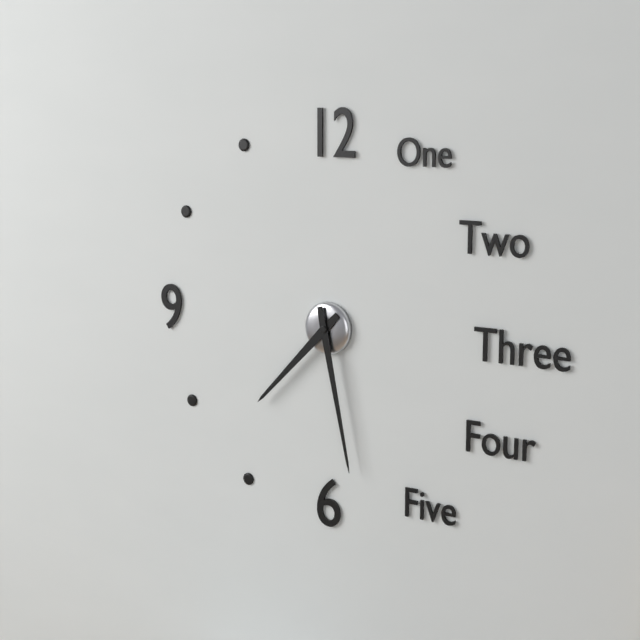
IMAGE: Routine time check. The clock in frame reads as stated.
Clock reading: 7:28
